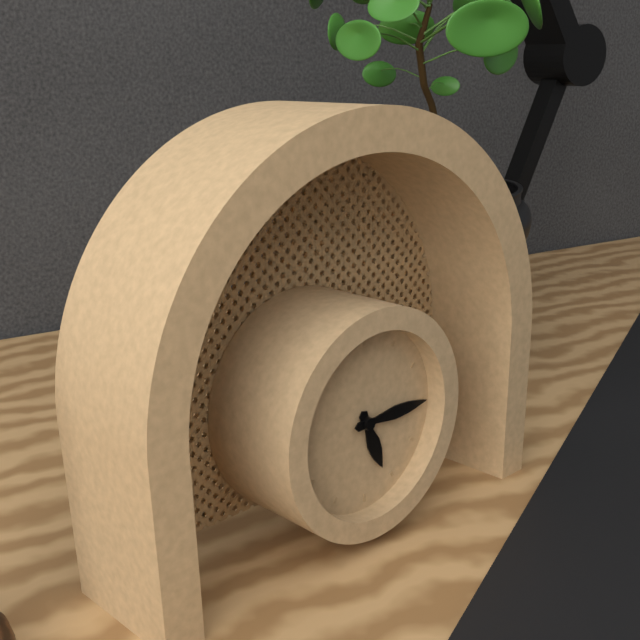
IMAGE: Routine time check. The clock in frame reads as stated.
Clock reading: 5:15
